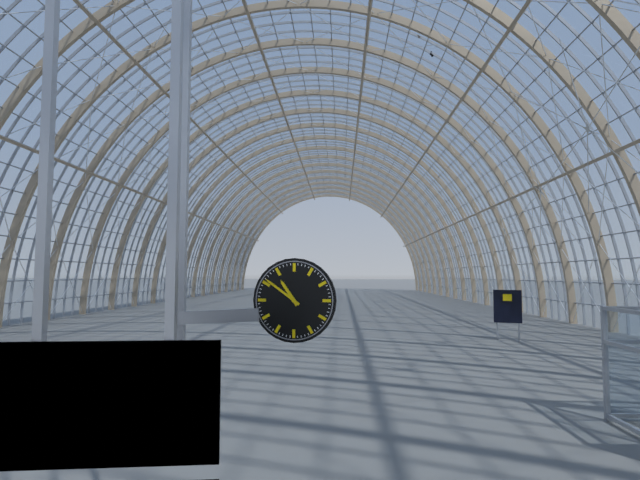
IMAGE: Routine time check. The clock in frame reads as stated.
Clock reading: 10:51
